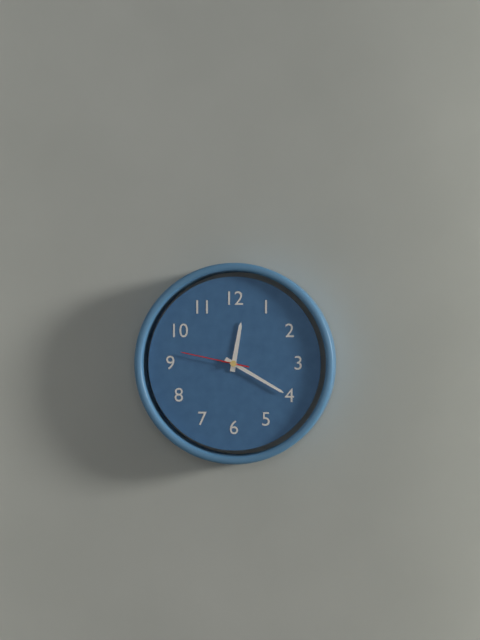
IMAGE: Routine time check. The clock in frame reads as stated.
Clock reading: 12:20:47
